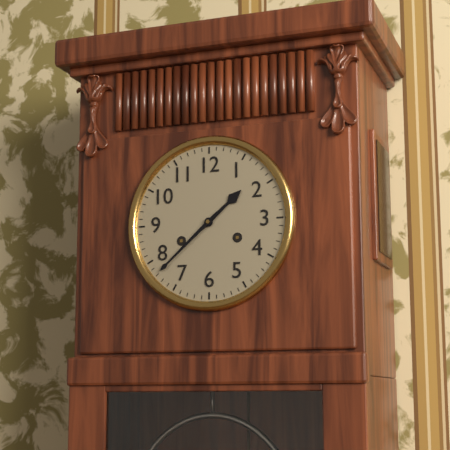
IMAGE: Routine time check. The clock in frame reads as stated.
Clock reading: 1:38
